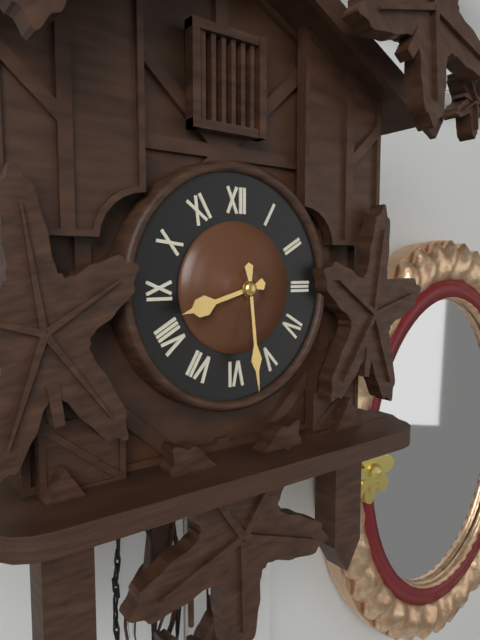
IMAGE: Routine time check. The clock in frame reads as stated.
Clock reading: 8:29
